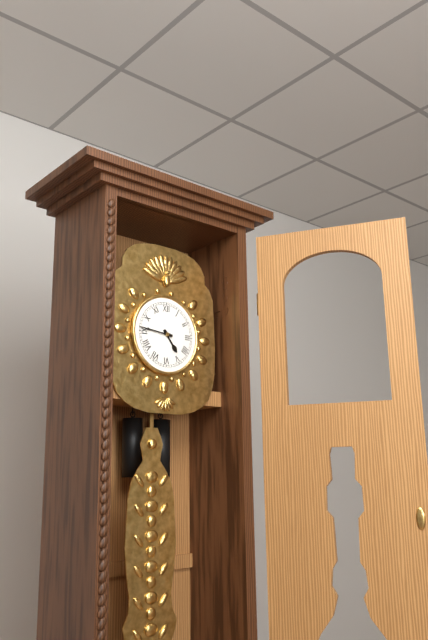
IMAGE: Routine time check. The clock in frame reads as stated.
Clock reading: 4:46
